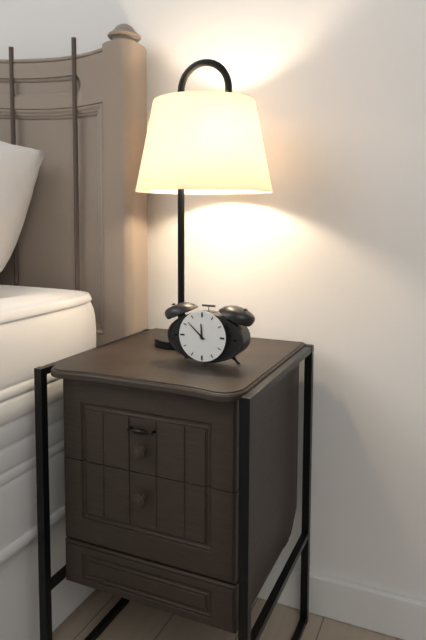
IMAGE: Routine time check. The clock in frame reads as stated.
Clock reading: 11:52
